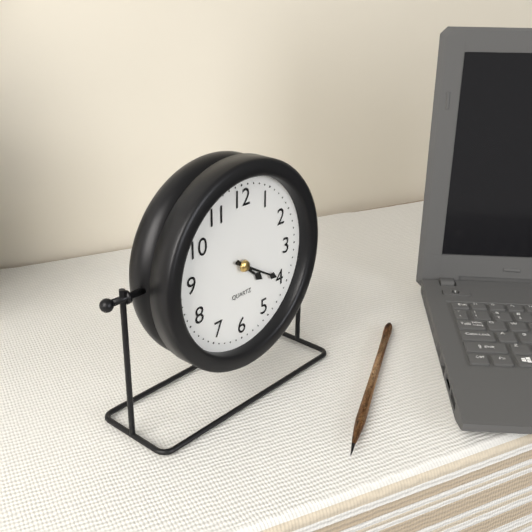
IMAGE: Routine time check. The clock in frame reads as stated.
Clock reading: 4:20
